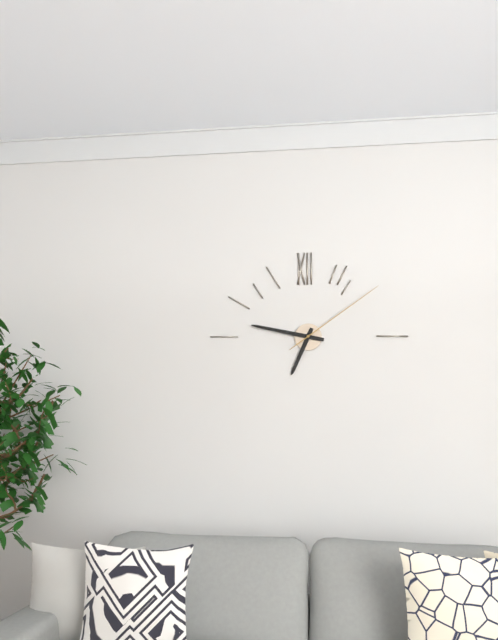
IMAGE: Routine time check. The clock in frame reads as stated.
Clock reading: 6:47:09
